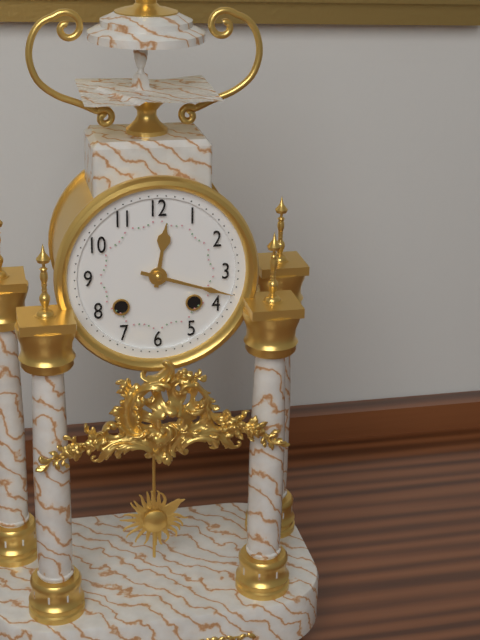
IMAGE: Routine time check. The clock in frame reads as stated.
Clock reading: 12:18
